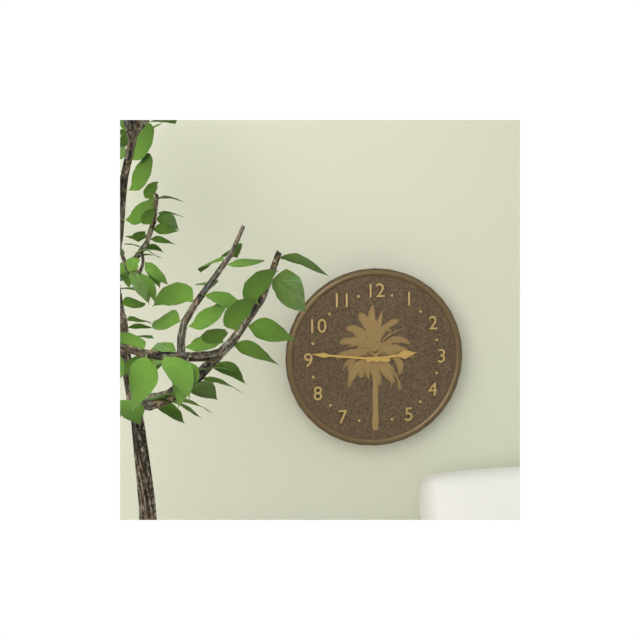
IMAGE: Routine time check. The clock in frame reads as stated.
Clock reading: 2:46
